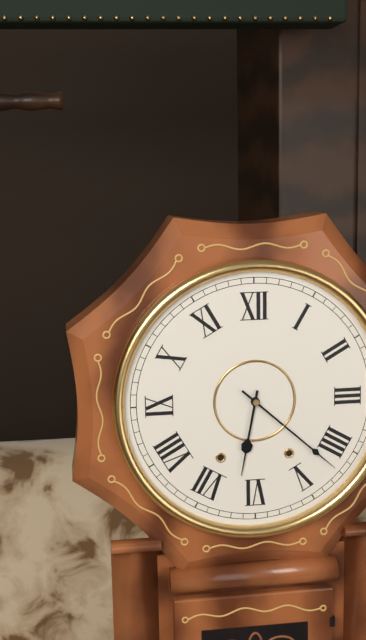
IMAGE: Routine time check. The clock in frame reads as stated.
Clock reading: 6:22
